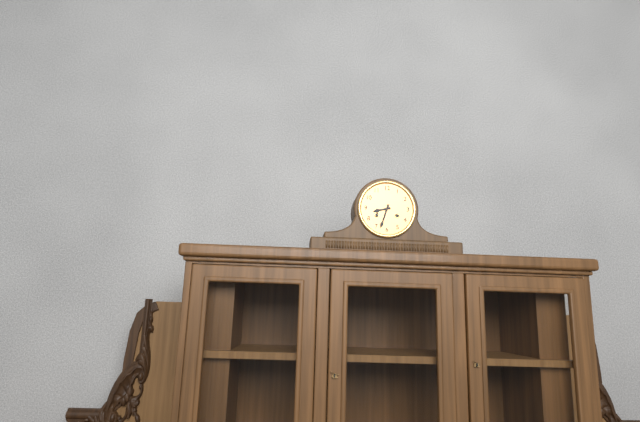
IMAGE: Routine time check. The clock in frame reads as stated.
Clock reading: 8:33
